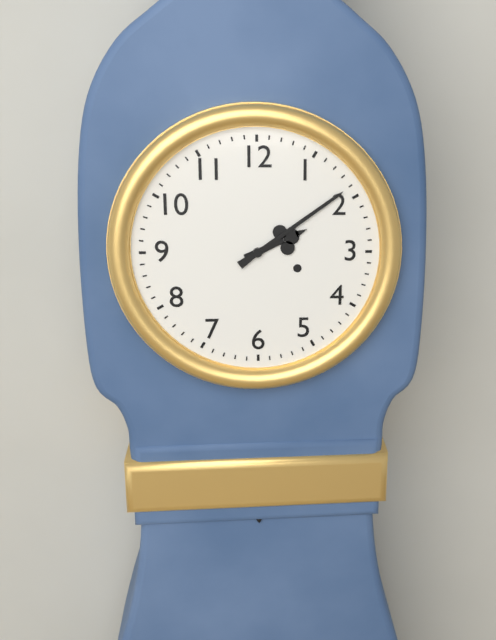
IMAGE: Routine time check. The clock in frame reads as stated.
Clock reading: 2:09
